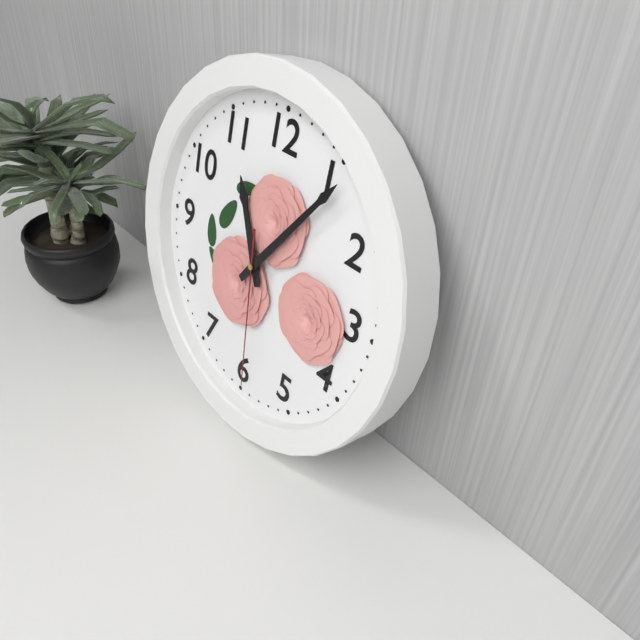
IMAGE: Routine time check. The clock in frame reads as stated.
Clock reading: 11:06:29
